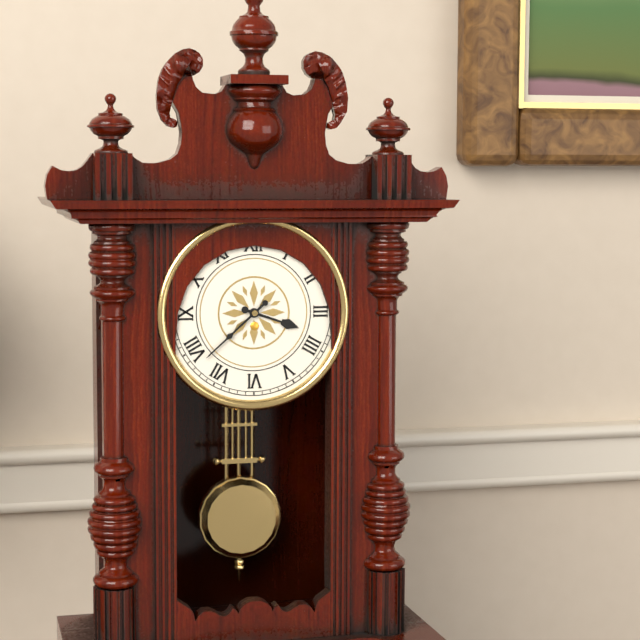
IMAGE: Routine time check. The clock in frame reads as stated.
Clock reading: 3:38
